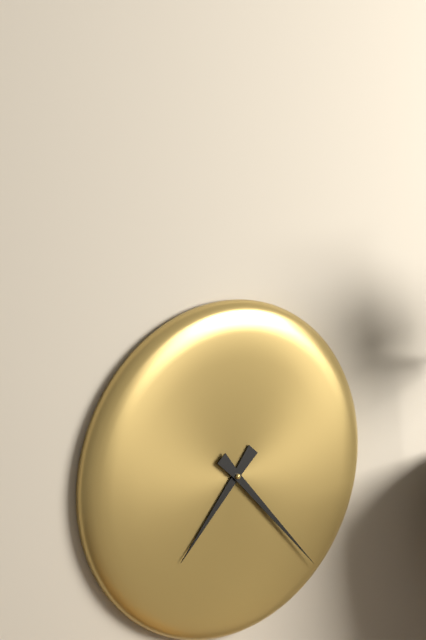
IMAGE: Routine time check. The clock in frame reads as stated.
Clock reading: 7:23
